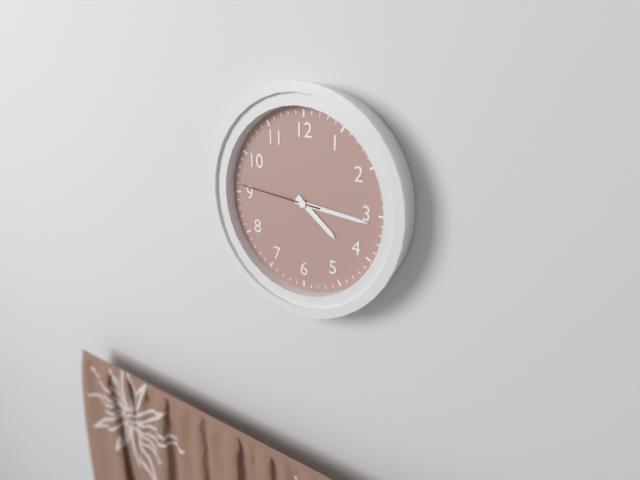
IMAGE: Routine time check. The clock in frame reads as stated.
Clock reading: 4:16:46
